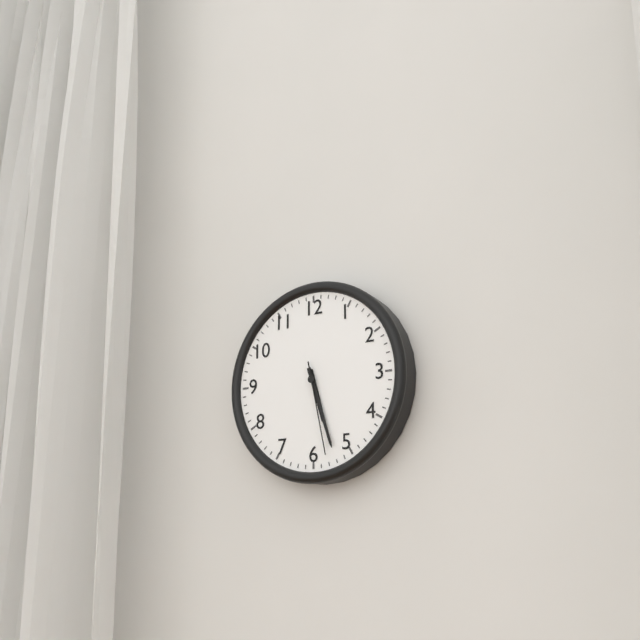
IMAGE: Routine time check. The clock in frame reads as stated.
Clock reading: 5:27:28
